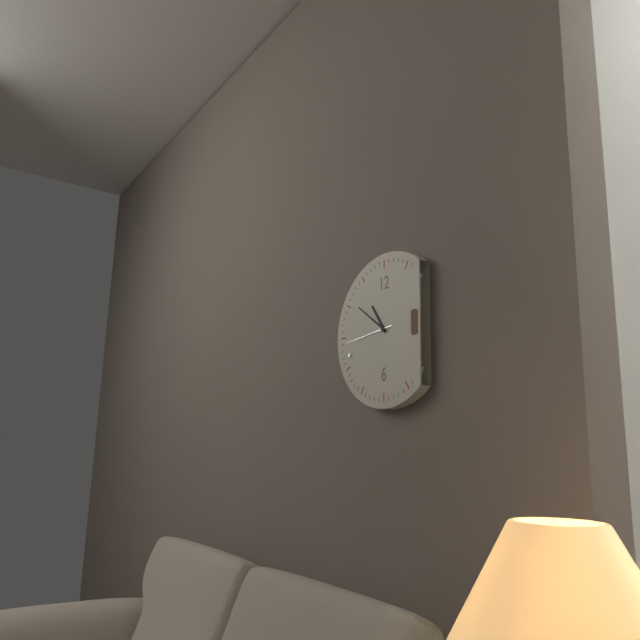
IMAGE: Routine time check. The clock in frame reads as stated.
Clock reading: 10:51:44
